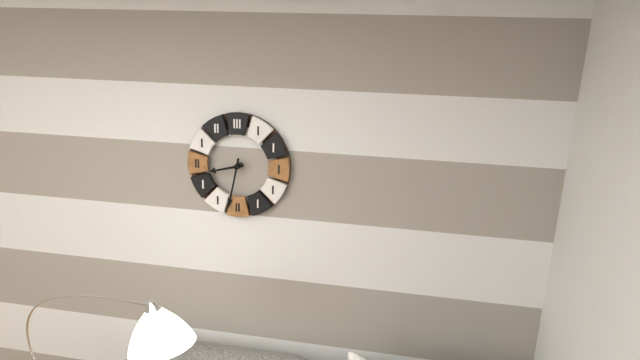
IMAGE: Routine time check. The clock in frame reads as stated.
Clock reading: 8:32
